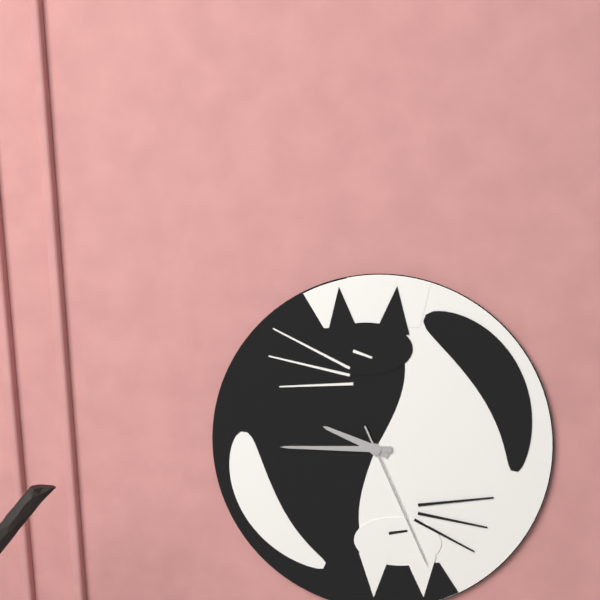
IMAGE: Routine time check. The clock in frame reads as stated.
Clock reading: 9:45:26
